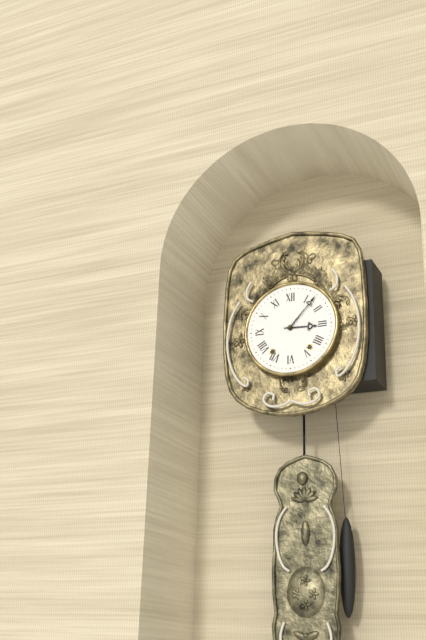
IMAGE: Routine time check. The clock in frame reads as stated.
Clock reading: 3:07
